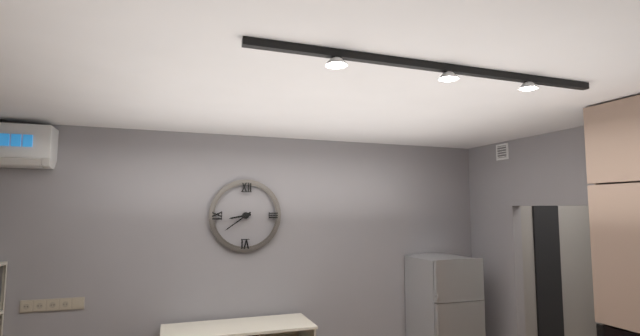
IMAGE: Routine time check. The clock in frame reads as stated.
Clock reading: 8:39
